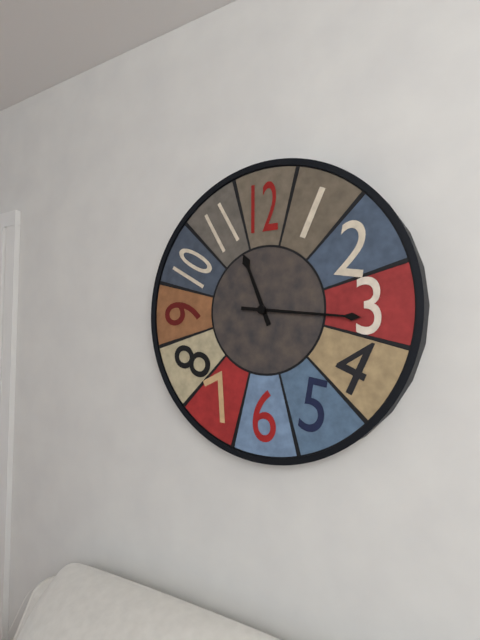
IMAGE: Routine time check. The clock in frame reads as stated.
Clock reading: 11:16
